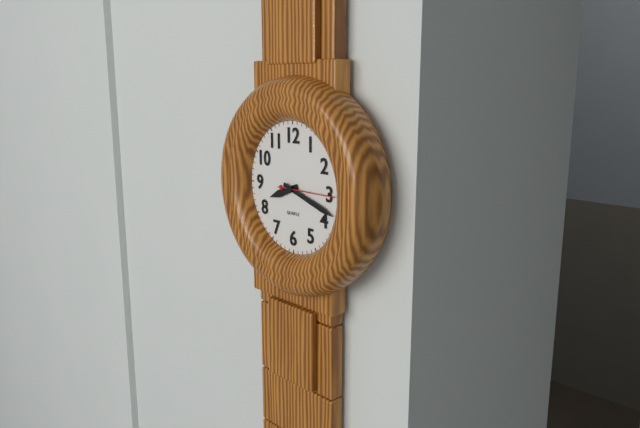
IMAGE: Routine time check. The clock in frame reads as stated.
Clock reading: 8:18
